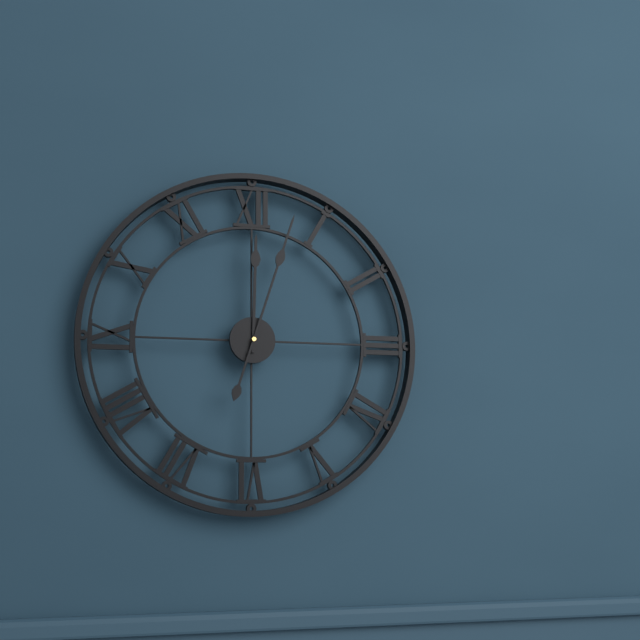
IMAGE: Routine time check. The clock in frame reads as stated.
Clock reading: 12:03
